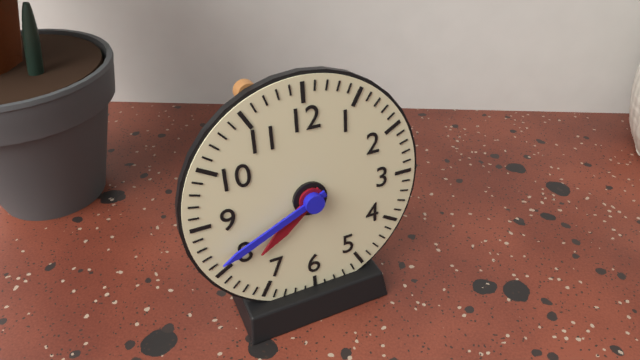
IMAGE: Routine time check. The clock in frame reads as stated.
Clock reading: 7:41
